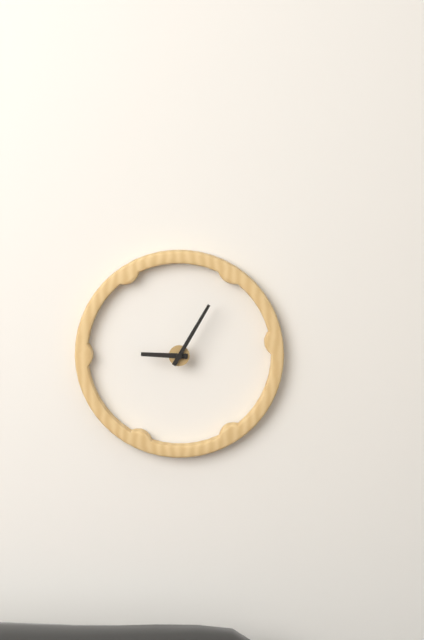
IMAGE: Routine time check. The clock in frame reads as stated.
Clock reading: 9:05
